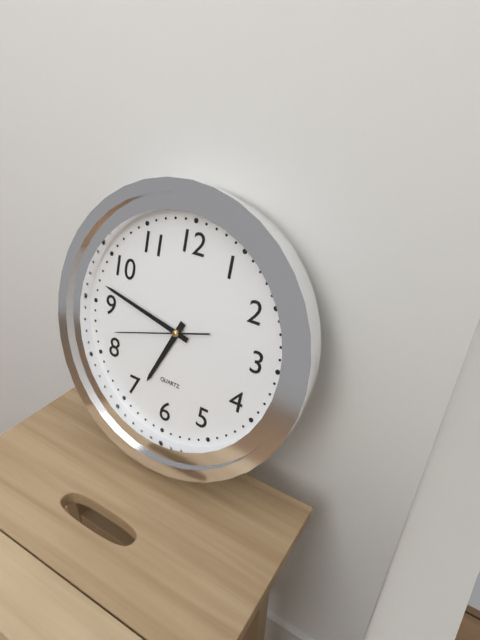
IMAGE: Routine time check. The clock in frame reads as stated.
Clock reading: 6:47:42
